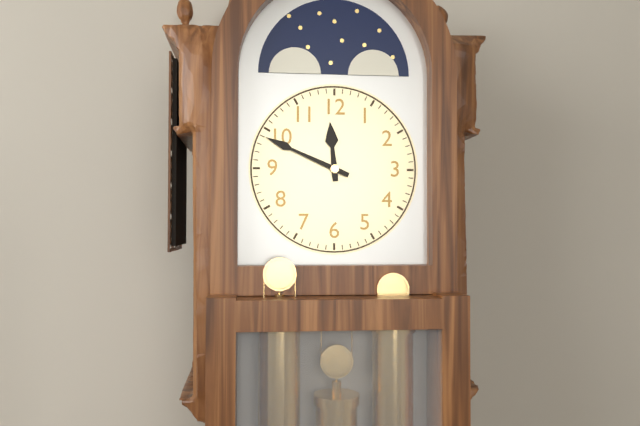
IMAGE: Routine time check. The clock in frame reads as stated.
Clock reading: 11:49
